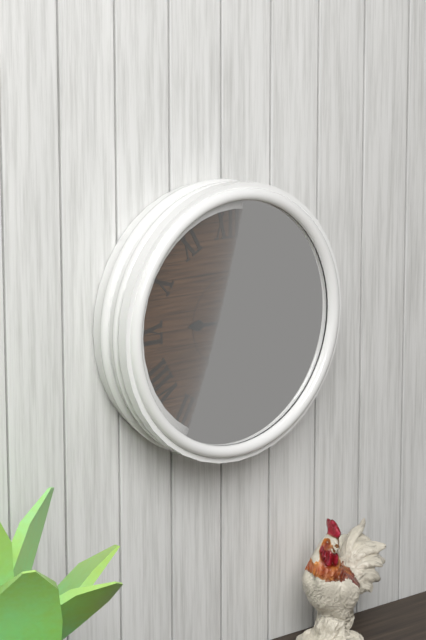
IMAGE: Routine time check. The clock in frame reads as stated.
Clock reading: 9:04:35
